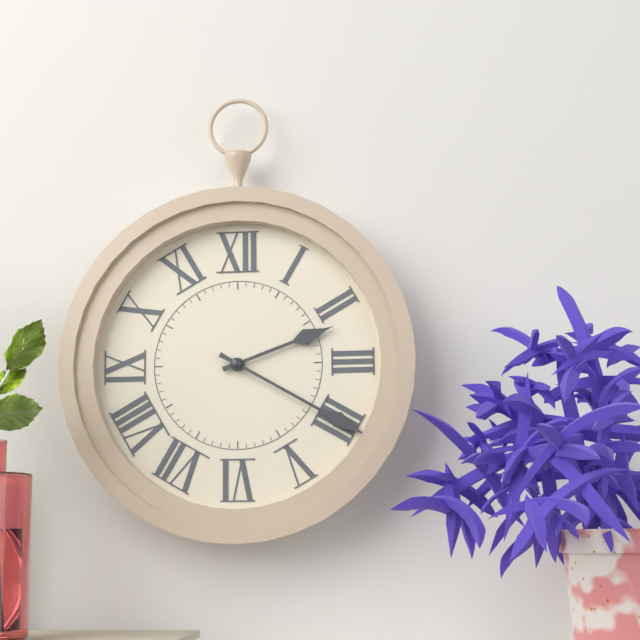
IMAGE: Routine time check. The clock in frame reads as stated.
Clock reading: 2:20
